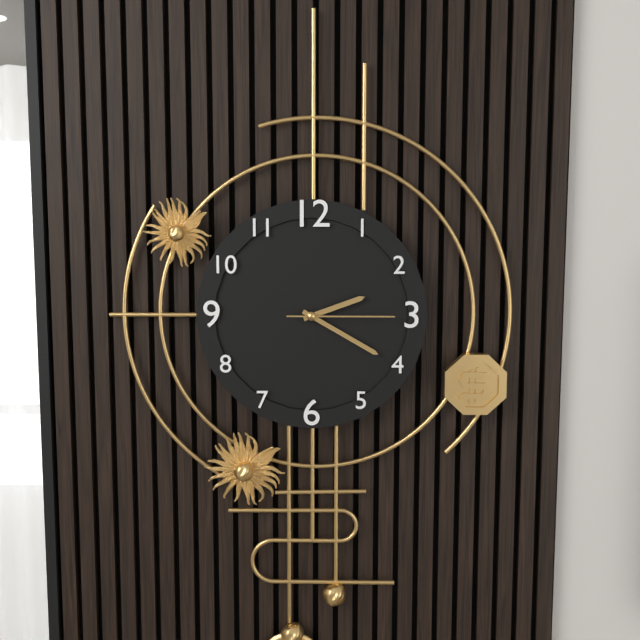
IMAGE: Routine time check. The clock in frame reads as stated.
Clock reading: 2:20:15
